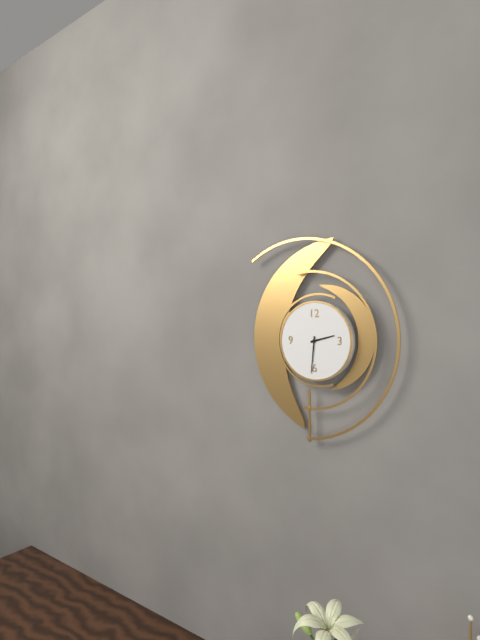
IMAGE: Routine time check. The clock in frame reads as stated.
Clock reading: 2:31
